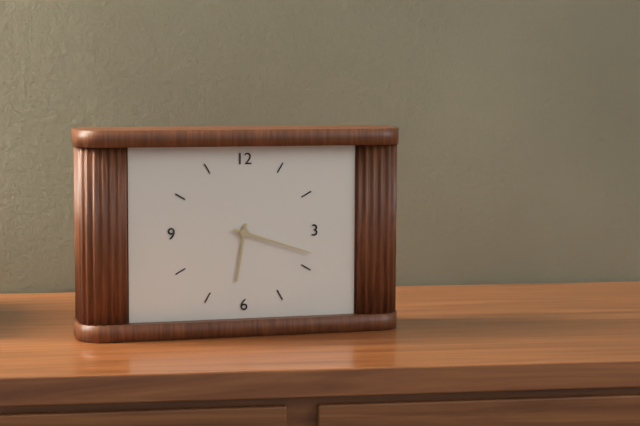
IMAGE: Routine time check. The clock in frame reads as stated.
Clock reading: 6:18
